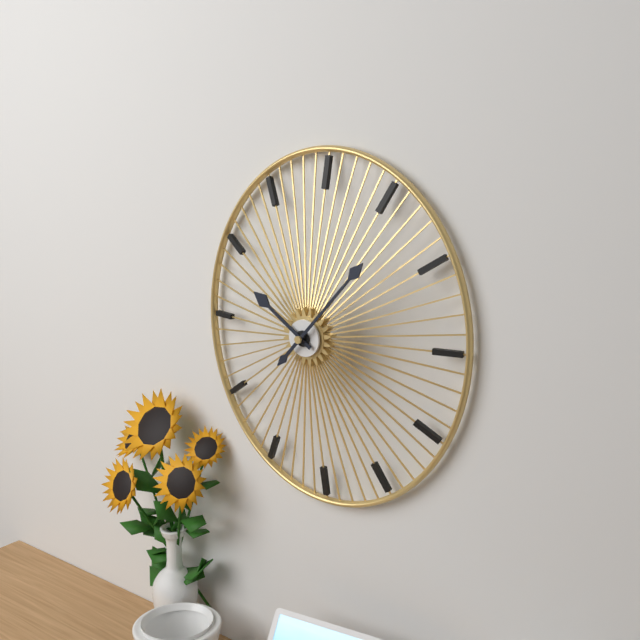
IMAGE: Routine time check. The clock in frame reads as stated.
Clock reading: 10:07
